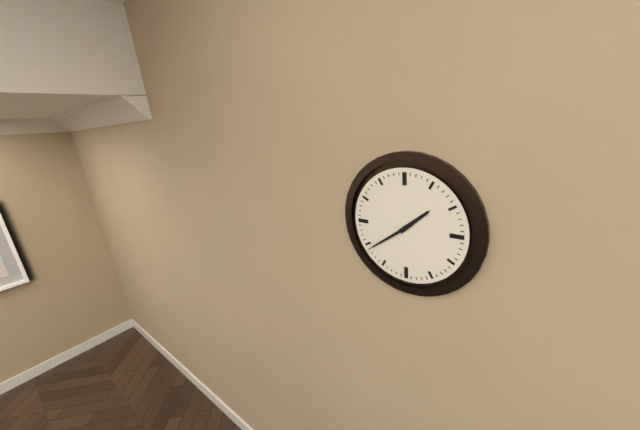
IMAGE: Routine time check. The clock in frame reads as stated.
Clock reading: 1:39
